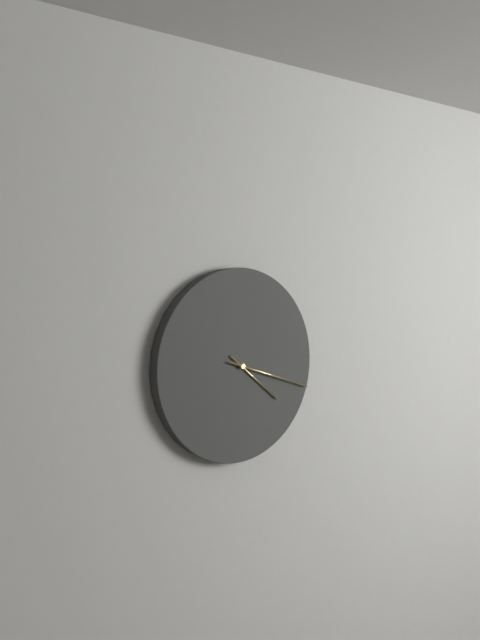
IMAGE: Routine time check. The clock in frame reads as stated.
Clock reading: 4:18
